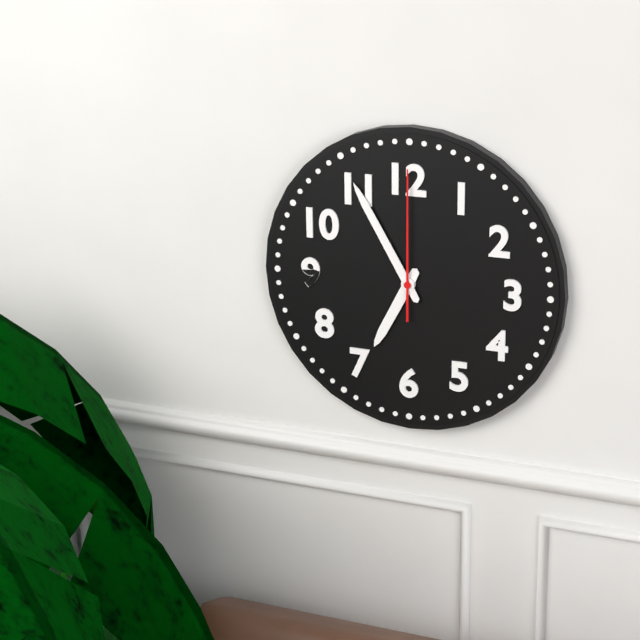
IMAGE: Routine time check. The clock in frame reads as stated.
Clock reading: 6:55:00
